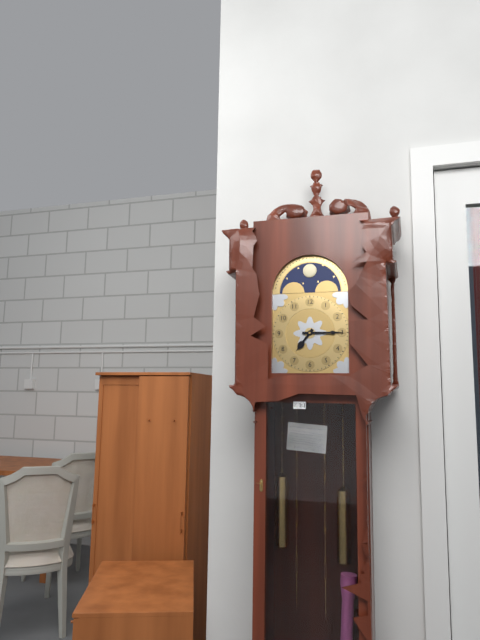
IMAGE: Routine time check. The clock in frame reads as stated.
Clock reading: 7:15
